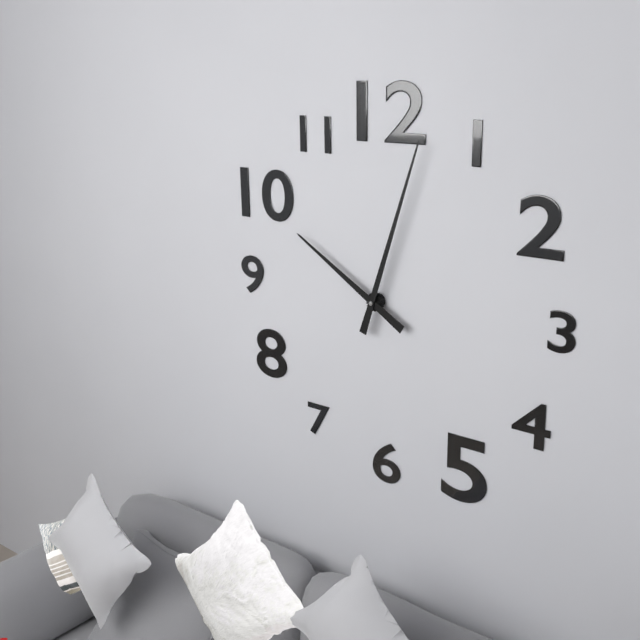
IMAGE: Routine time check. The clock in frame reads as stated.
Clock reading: 10:03
